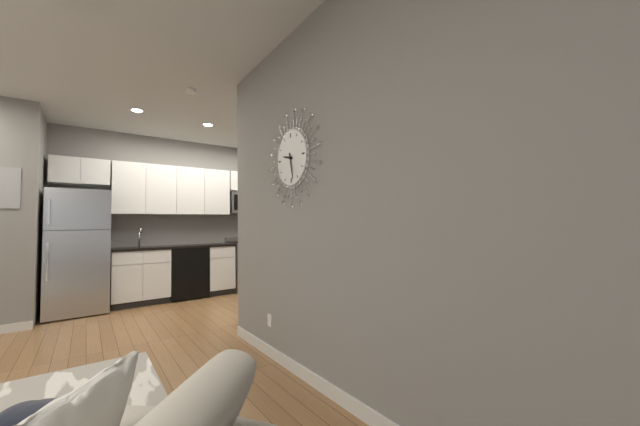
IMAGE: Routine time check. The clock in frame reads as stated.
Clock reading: 9:28
